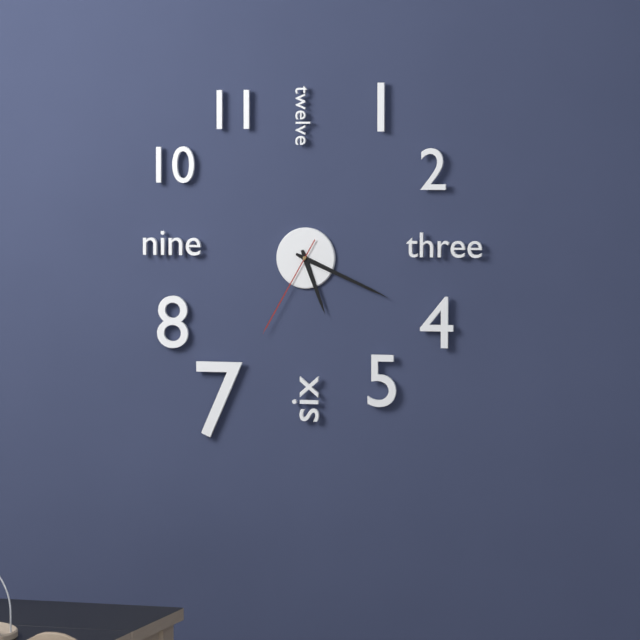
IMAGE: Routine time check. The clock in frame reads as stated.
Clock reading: 5:19:35
